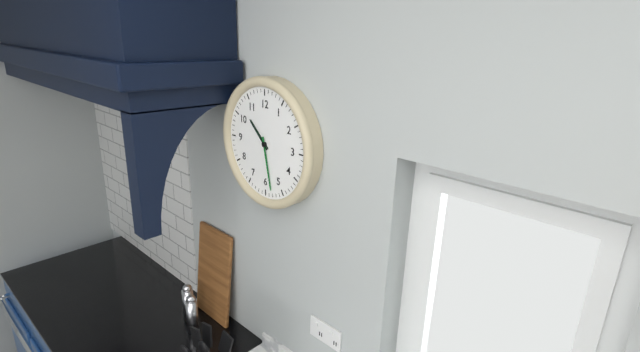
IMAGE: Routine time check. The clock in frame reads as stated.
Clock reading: 10:28
